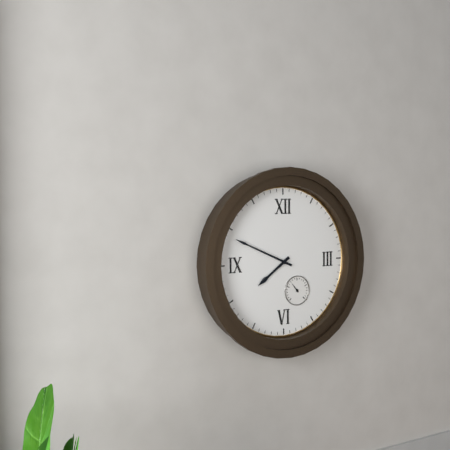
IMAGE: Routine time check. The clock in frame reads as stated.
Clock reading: 7:49
